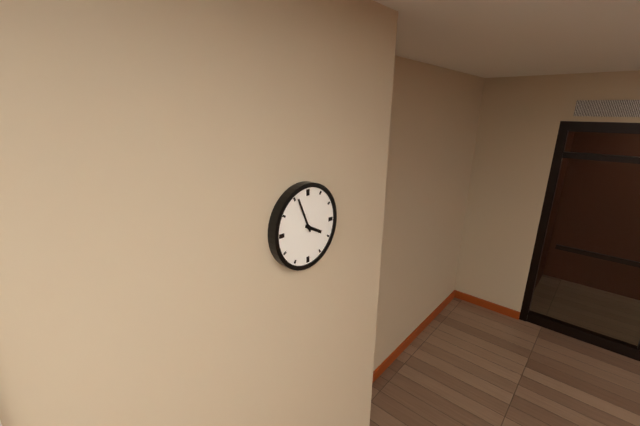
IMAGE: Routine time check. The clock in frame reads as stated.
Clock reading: 3:56
